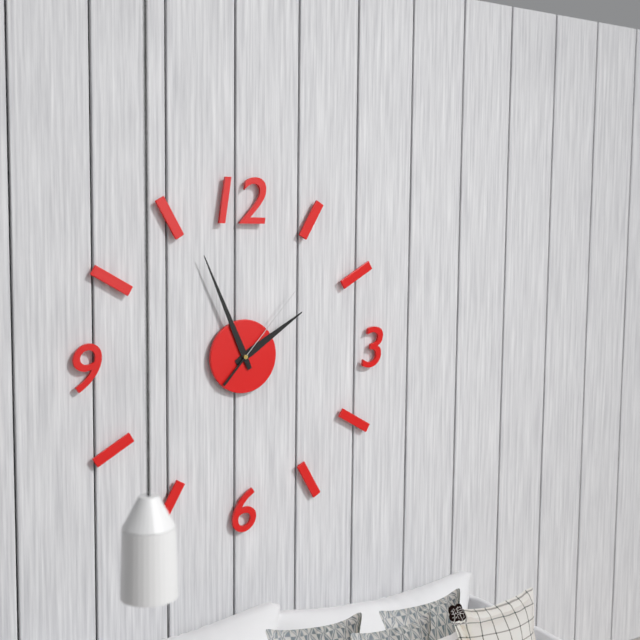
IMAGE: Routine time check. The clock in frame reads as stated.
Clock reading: 1:56:07
